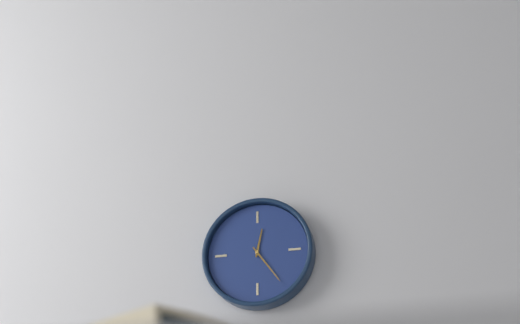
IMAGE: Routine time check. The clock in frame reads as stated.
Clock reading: 12:24
